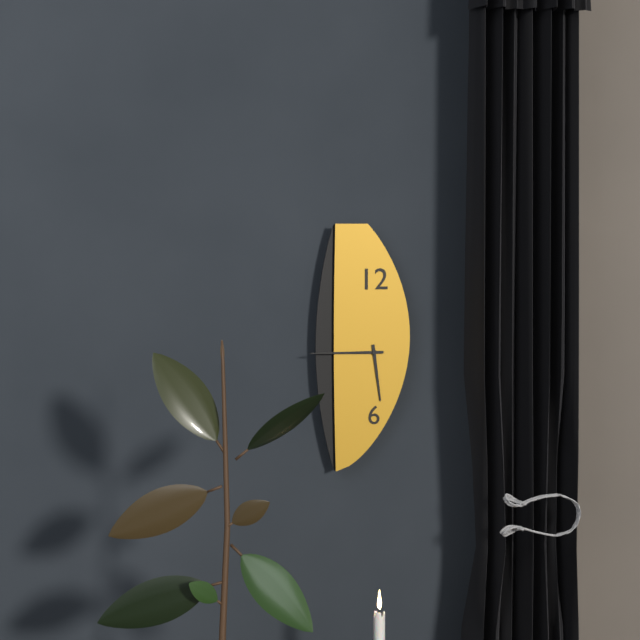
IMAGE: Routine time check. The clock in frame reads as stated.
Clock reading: 5:45
